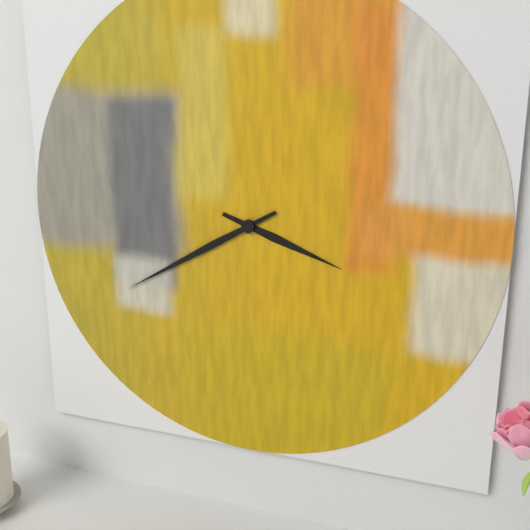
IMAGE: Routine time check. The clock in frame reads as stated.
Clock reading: 3:40
